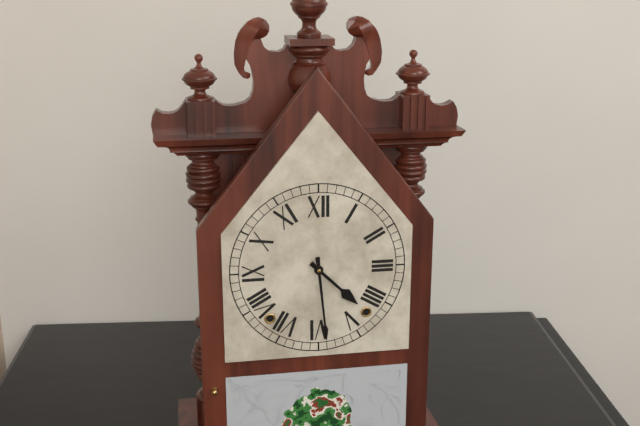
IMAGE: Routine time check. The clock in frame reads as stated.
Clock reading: 4:29
